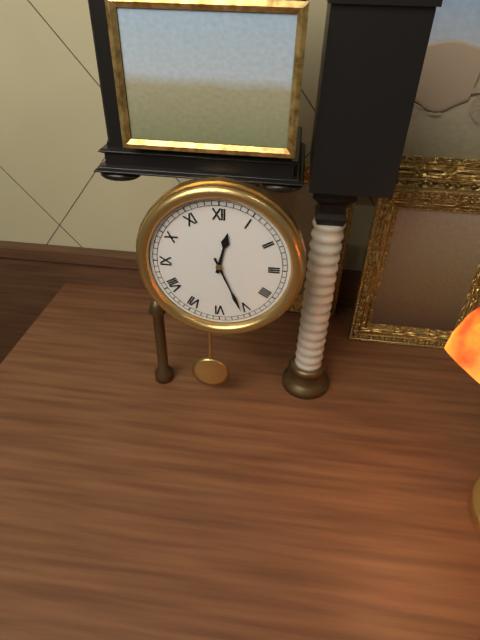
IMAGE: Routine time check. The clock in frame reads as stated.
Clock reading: 12:26
